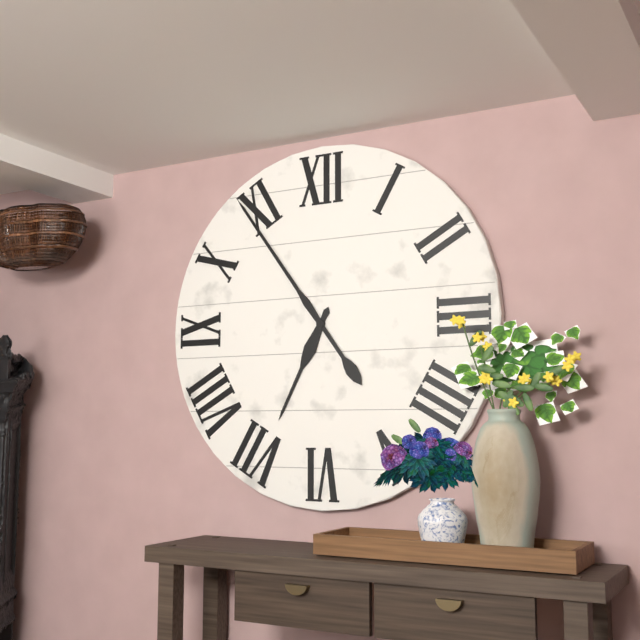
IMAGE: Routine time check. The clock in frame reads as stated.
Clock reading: 6:54
